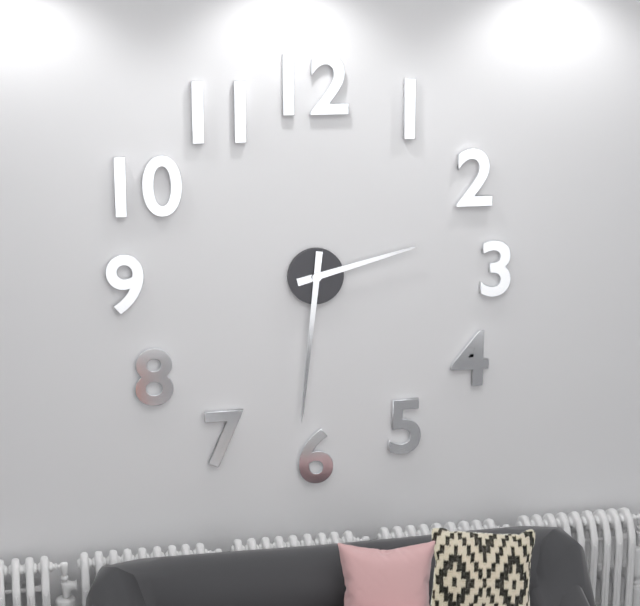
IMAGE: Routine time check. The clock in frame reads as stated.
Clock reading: 2:31
